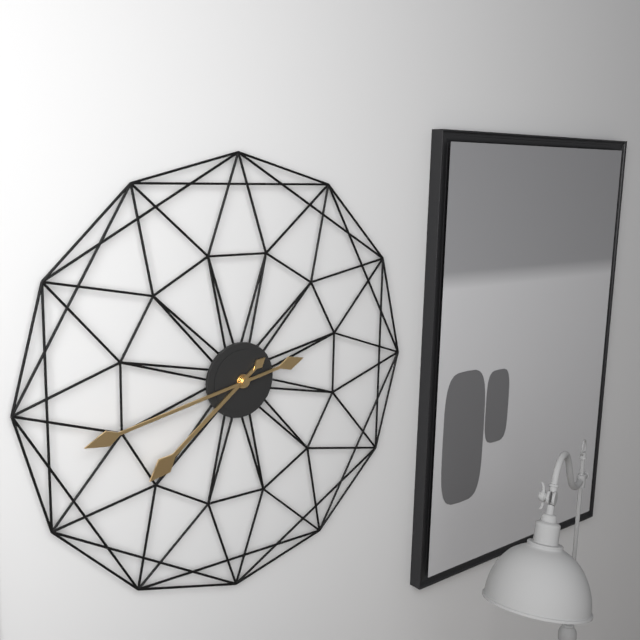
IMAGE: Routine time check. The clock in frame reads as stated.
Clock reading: 7:43
